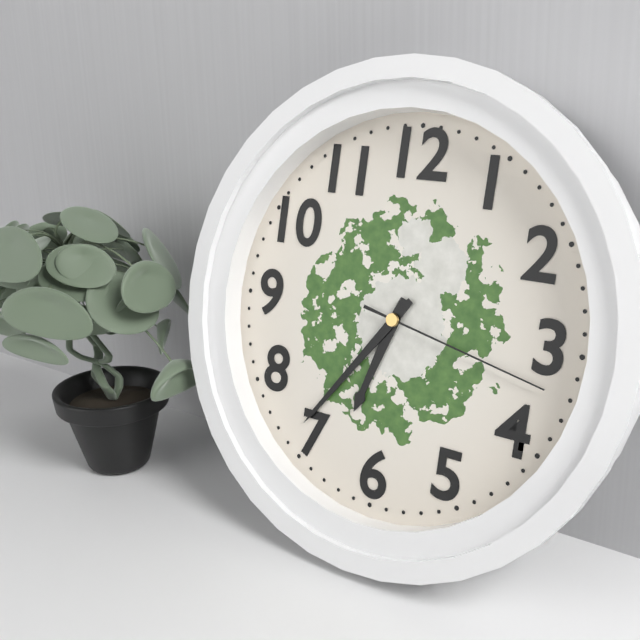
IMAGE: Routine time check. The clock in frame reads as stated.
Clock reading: 6:36:17
